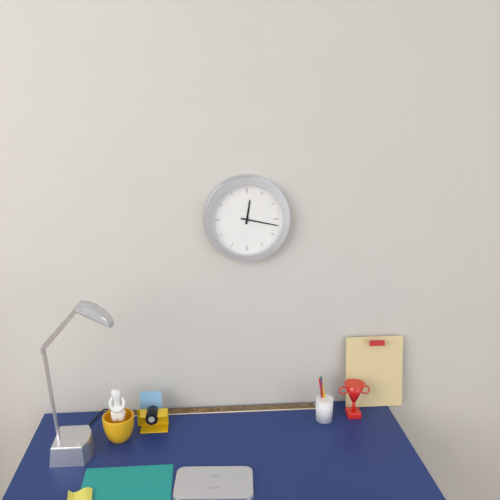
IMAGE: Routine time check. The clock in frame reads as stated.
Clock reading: 12:17
